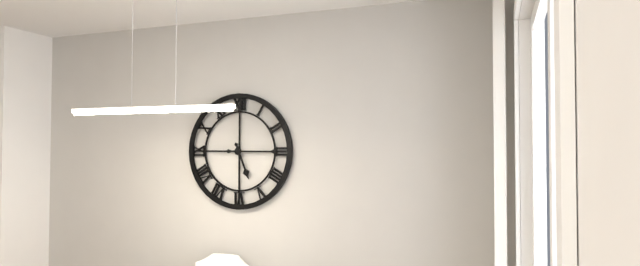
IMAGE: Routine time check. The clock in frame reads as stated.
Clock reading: 5:15
